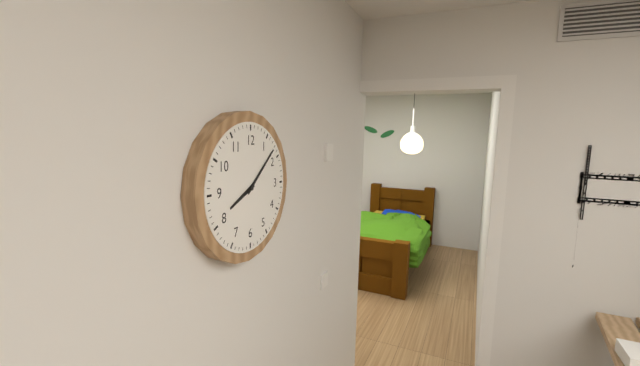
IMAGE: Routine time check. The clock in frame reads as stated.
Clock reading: 8:08
